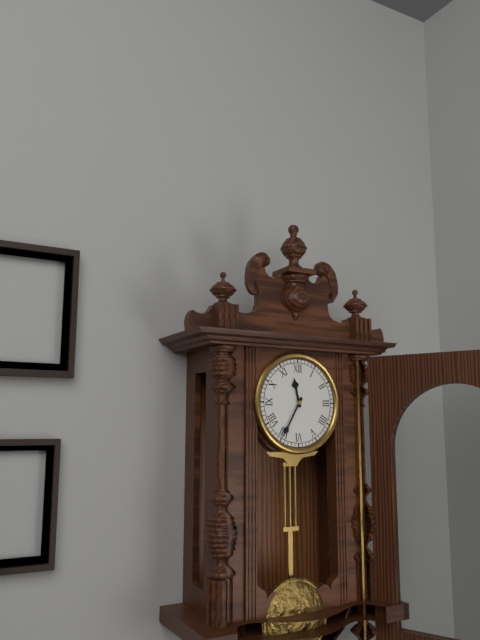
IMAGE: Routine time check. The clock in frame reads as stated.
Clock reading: 11:35
